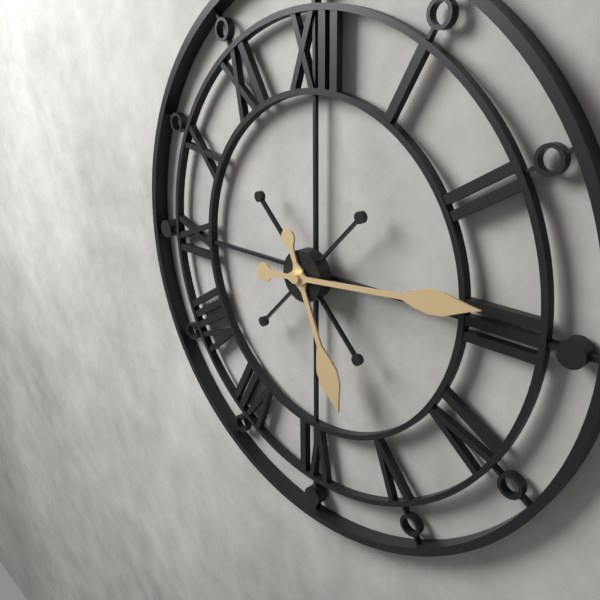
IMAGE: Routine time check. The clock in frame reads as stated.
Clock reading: 5:14
